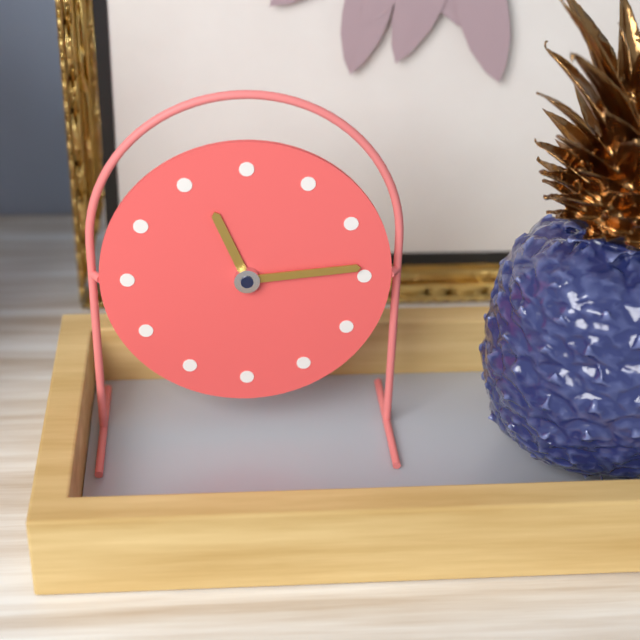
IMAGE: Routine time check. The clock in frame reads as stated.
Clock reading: 11:14
